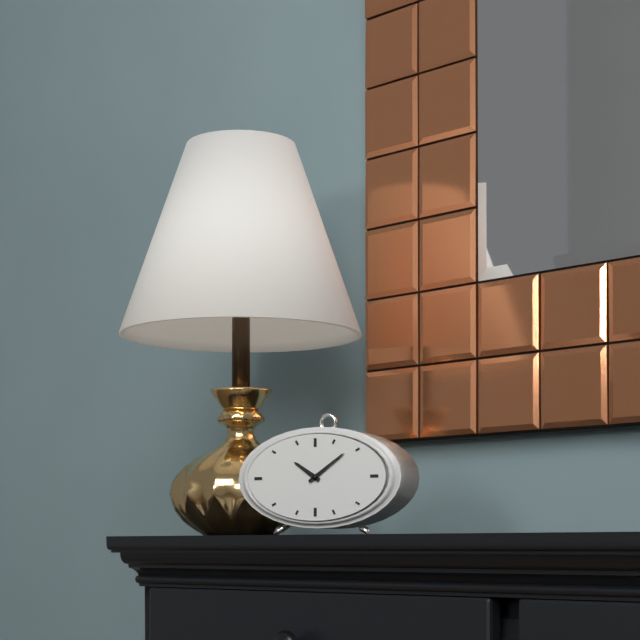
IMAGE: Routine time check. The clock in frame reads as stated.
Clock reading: 10:09
